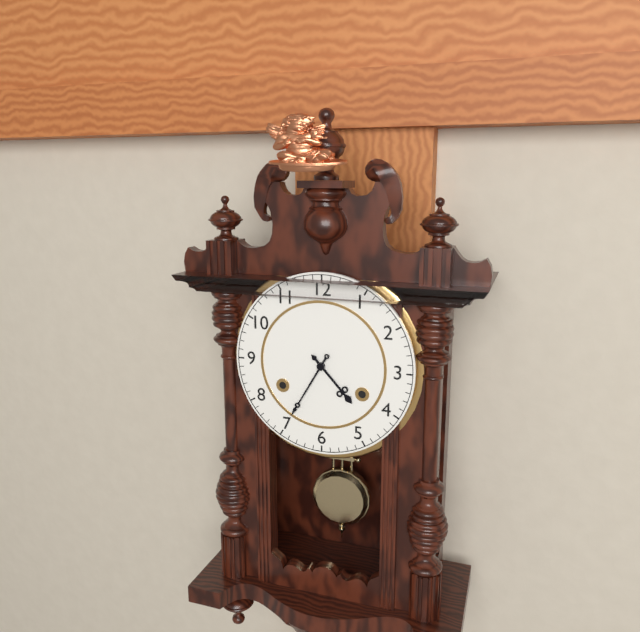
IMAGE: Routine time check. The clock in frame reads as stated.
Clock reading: 4:35
